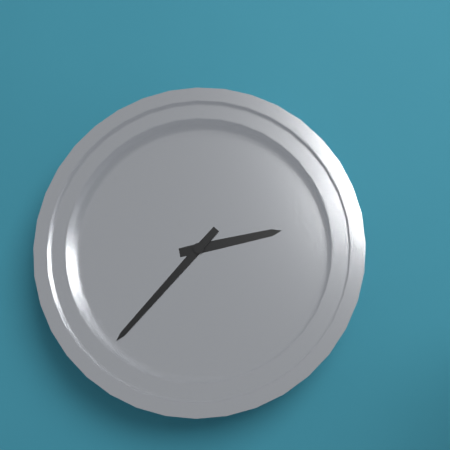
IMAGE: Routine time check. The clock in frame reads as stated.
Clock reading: 2:37
